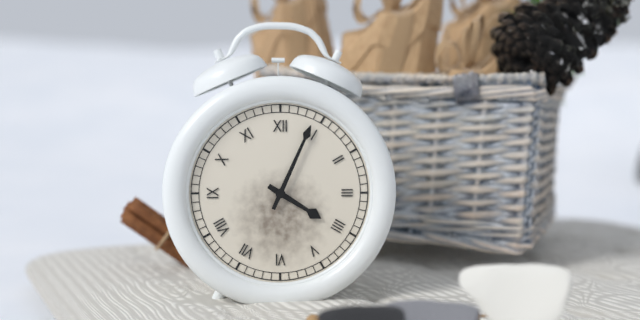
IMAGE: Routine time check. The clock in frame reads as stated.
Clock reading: 4:04
